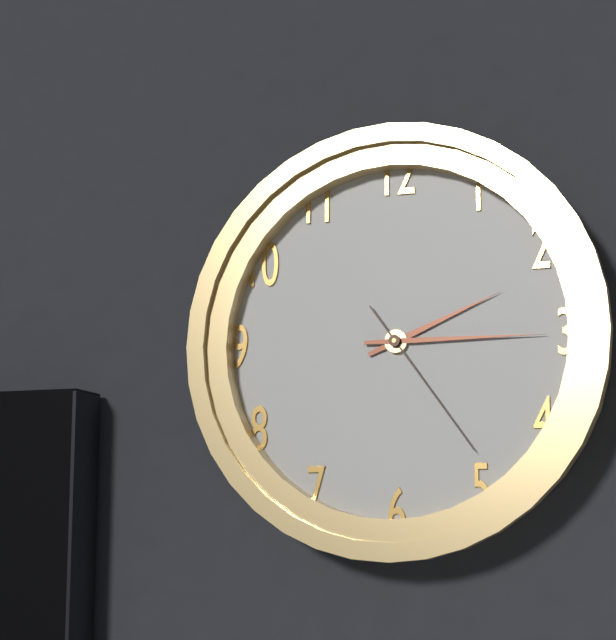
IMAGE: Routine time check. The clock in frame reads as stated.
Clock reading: 2:15:24
